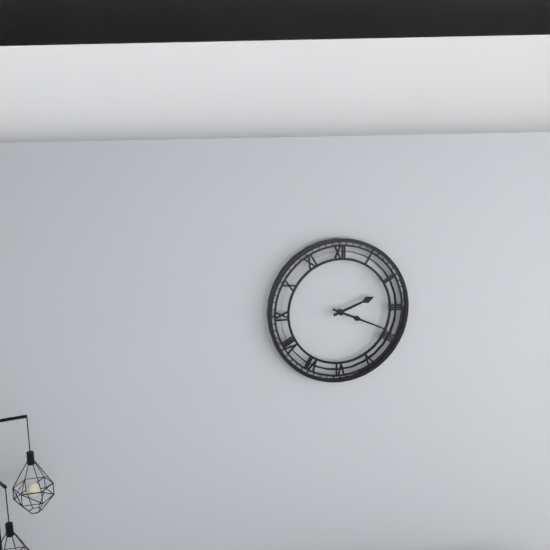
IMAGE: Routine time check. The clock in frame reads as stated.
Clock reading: 2:19
